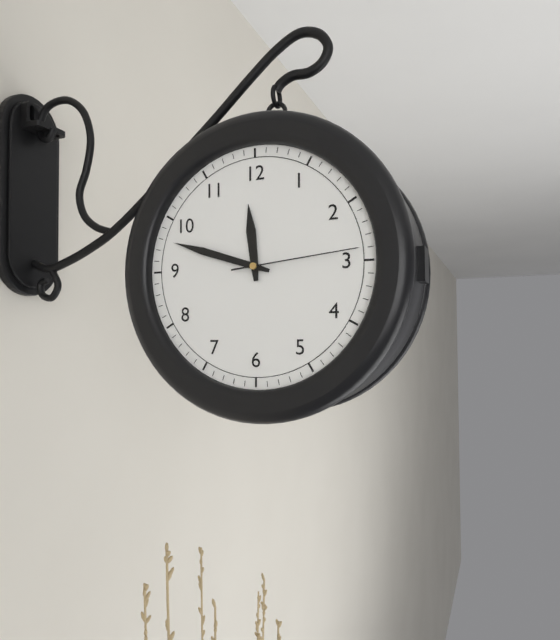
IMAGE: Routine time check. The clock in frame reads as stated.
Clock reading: 11:48:14
